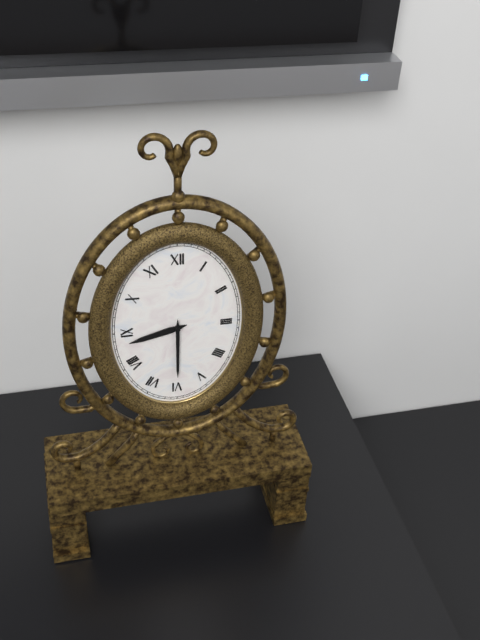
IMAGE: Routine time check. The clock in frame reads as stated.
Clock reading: 8:30
